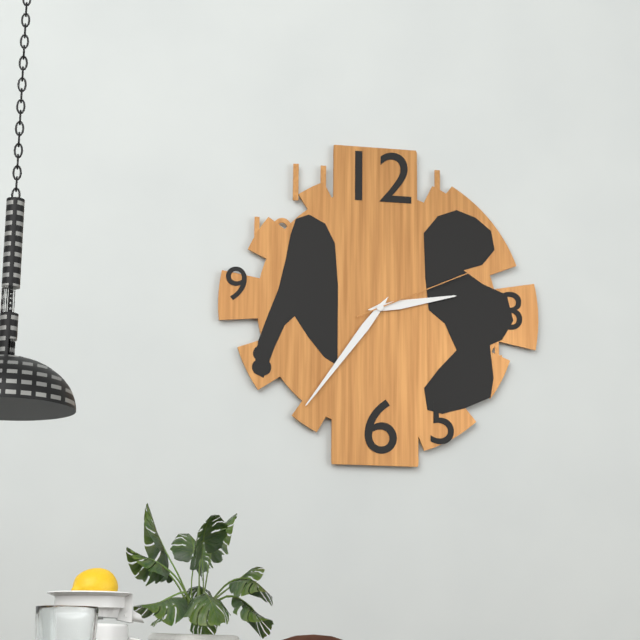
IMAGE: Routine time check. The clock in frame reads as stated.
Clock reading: 2:36:11
